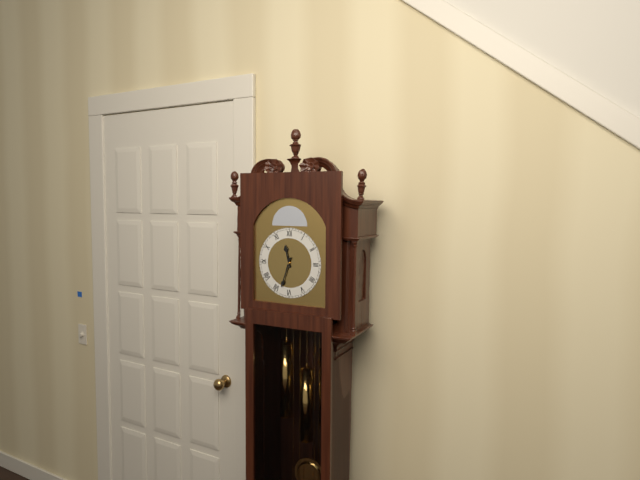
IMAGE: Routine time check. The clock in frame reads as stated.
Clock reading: 11:33
